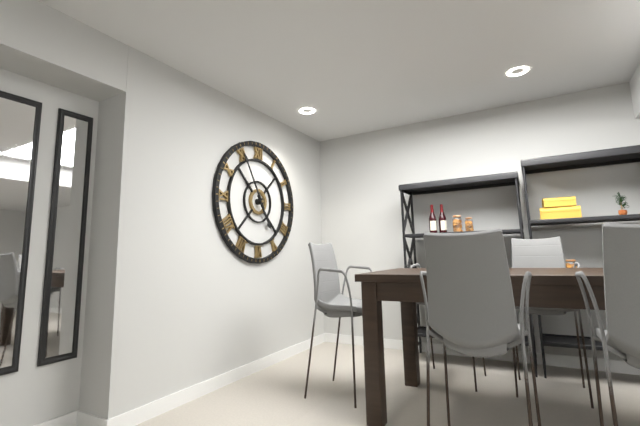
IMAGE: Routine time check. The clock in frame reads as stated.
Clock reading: 4:55
